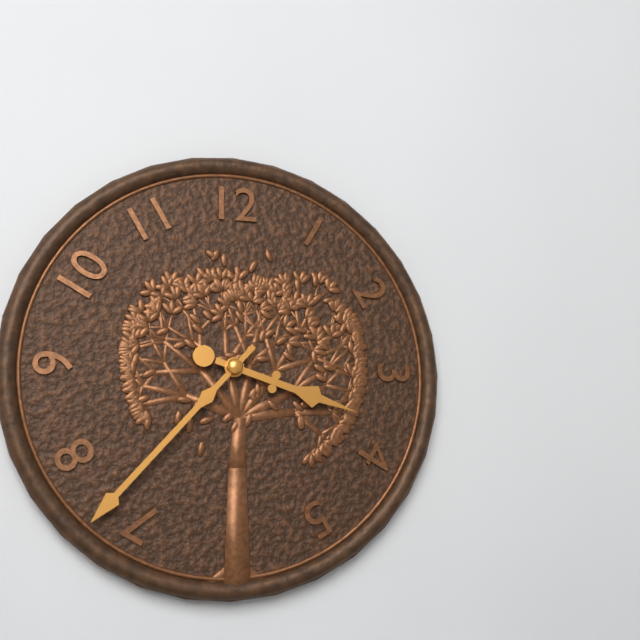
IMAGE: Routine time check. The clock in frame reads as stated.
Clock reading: 3:37
